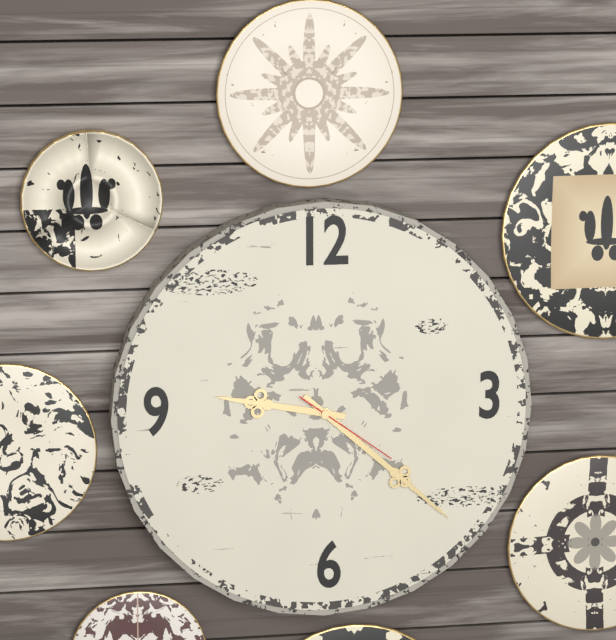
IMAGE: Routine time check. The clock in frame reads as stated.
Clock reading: 9:22:21
